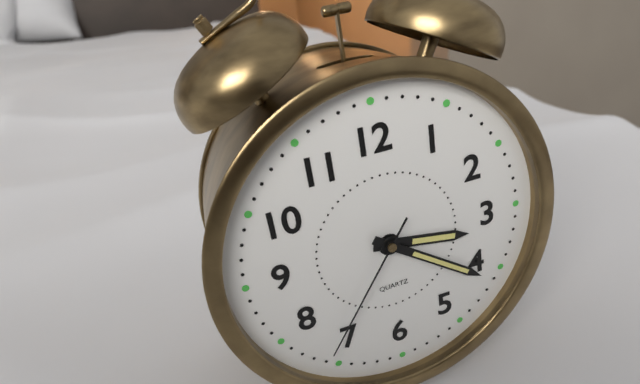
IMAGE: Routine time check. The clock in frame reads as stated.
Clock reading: 3:21:36
